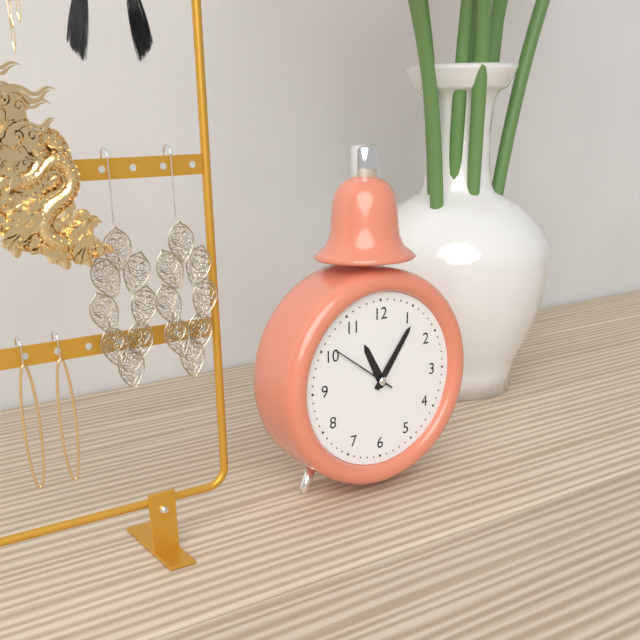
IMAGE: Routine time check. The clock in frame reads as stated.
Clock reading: 11:06:51
